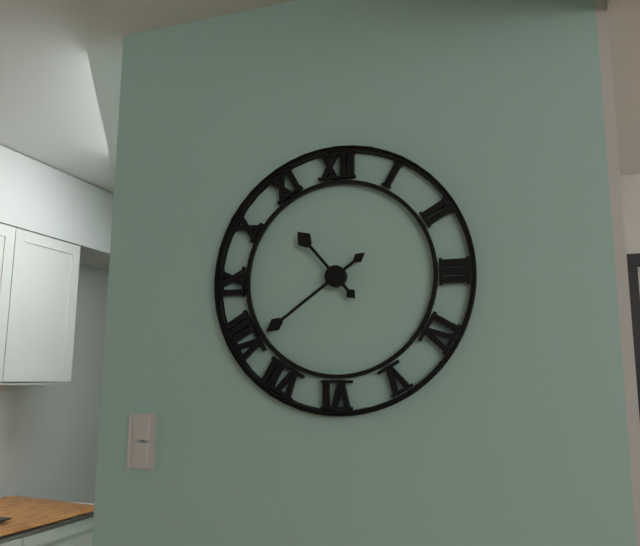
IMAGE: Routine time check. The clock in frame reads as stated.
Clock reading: 10:39
